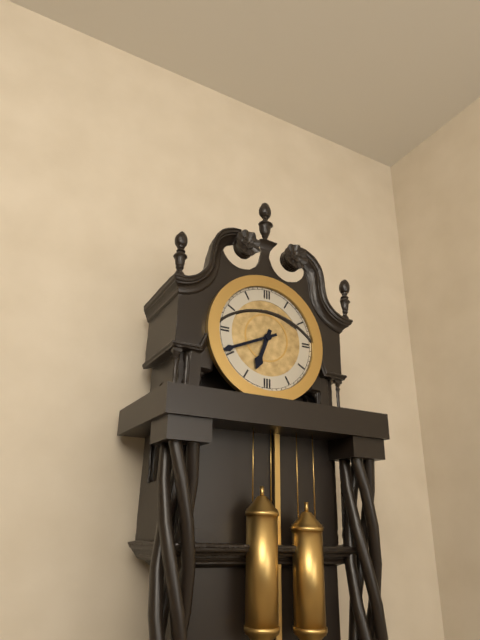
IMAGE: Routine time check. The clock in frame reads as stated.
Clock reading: 6:41
